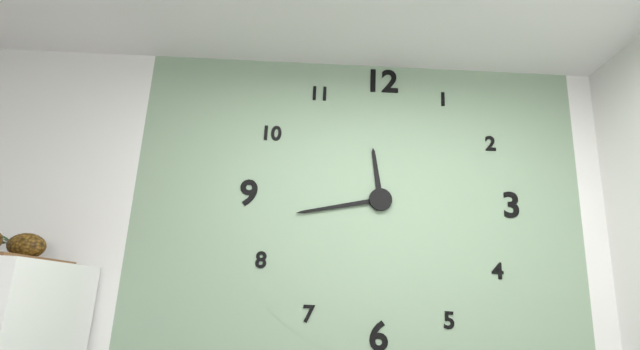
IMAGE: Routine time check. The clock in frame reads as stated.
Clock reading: 11:43
